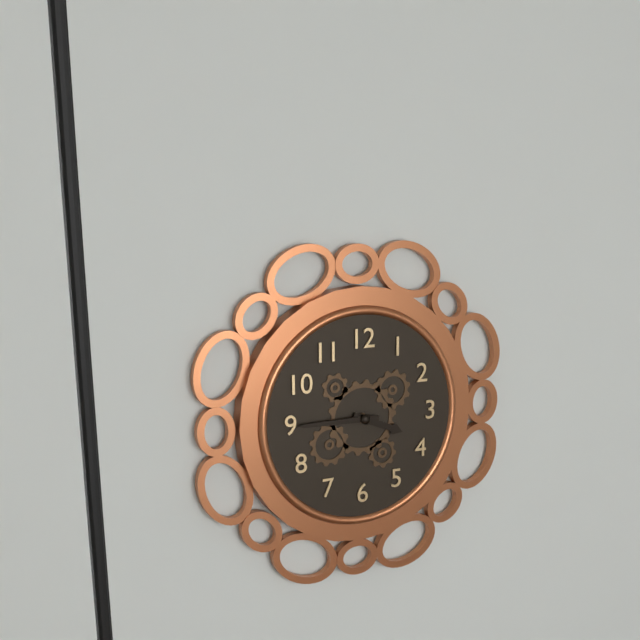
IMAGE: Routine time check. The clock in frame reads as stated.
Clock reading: 3:45
